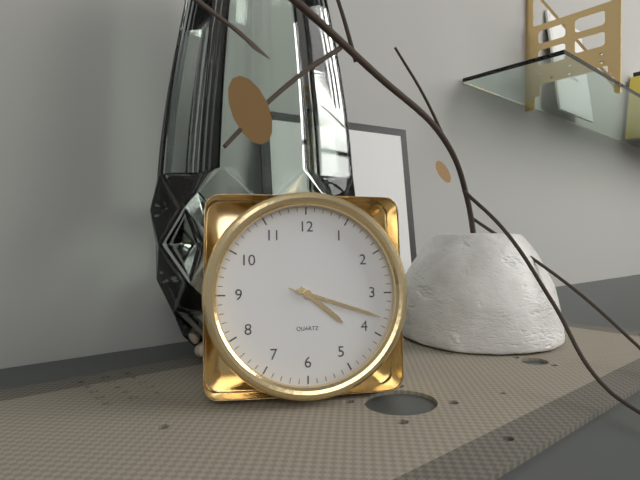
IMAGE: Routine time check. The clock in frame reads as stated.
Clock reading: 4:18:18
